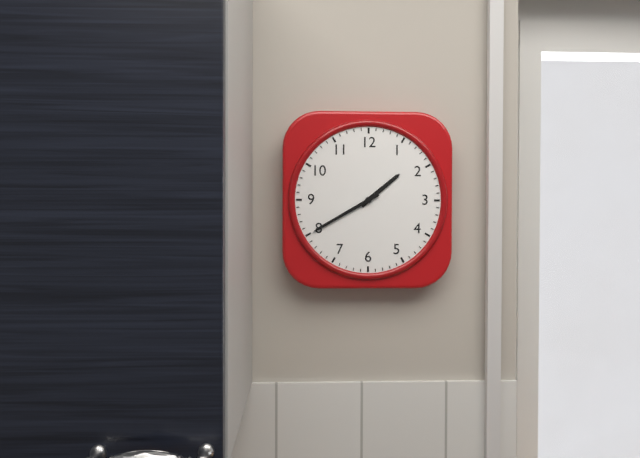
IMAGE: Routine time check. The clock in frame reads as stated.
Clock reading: 1:40
